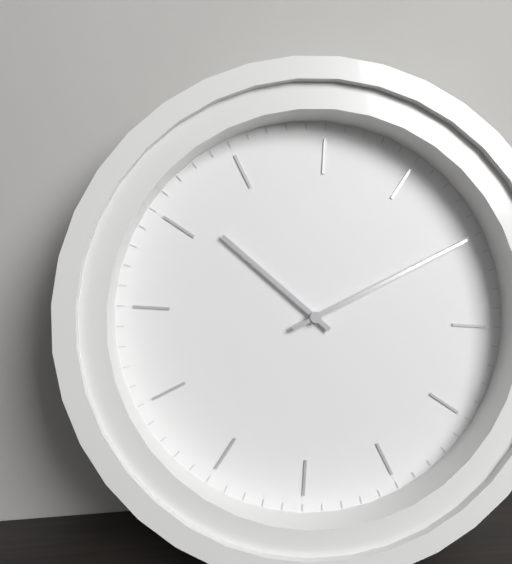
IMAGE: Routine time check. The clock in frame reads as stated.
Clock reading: 11:15
